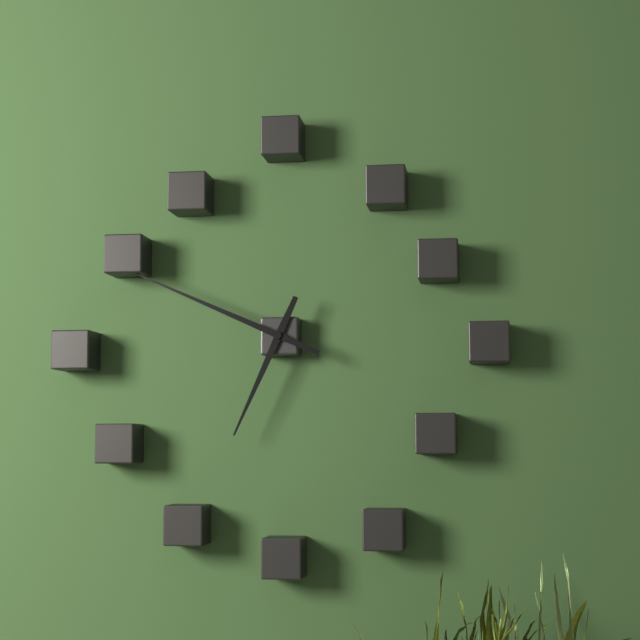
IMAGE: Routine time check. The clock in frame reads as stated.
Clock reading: 6:49
